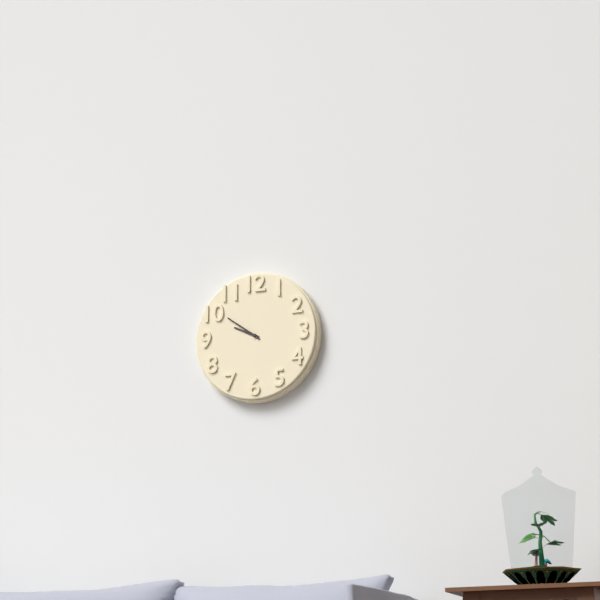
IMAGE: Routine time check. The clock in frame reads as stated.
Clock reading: 9:51
